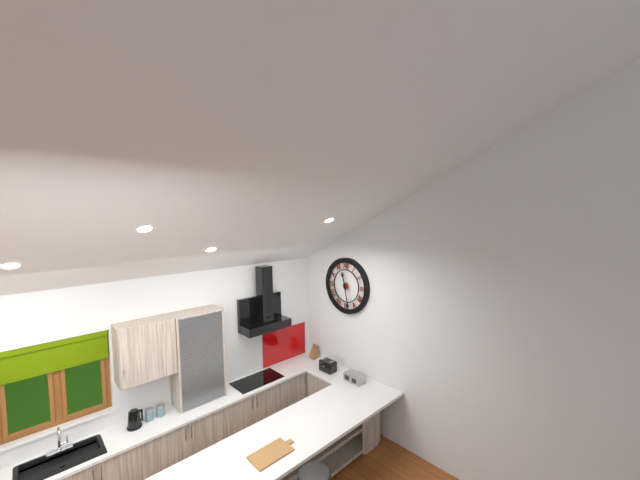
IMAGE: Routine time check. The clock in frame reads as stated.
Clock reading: 11:28
